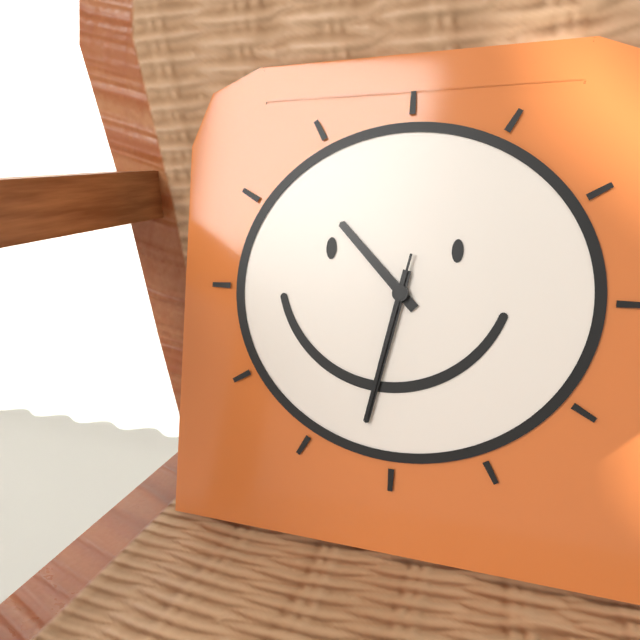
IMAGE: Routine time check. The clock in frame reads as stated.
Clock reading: 10:32:32
